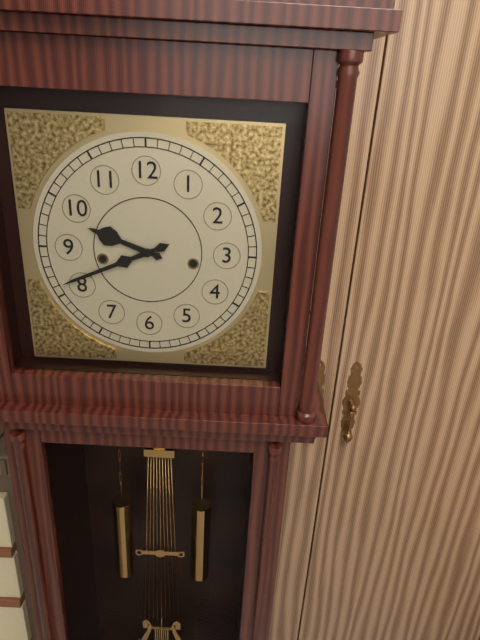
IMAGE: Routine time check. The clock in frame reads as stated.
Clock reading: 9:41
